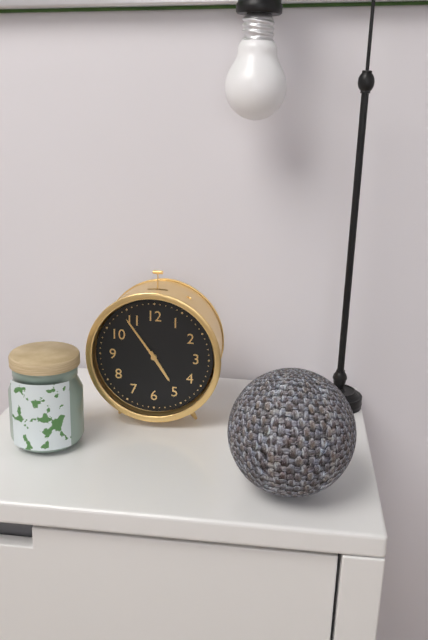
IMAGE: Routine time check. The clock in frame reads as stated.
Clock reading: 4:54
